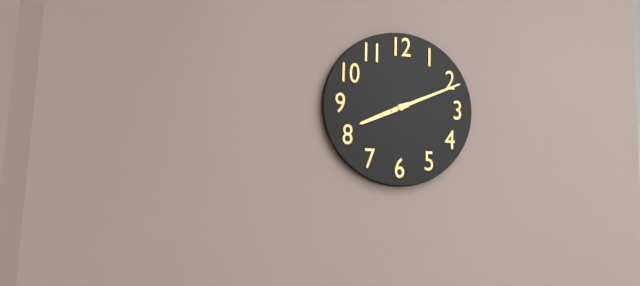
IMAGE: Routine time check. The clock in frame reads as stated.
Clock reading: 8:11
